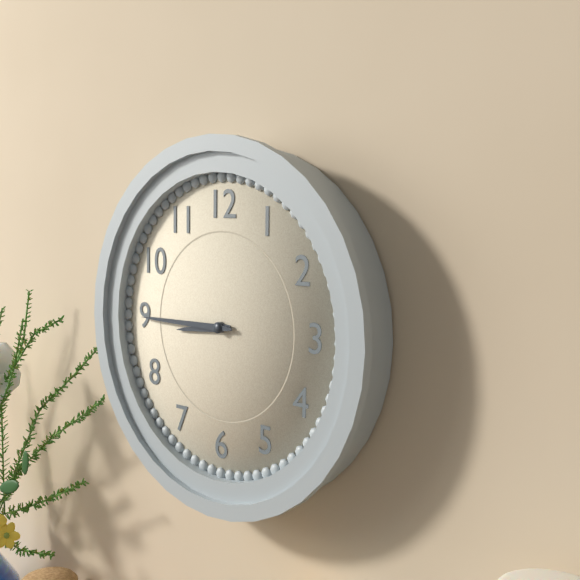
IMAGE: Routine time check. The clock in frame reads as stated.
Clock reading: 8:45
